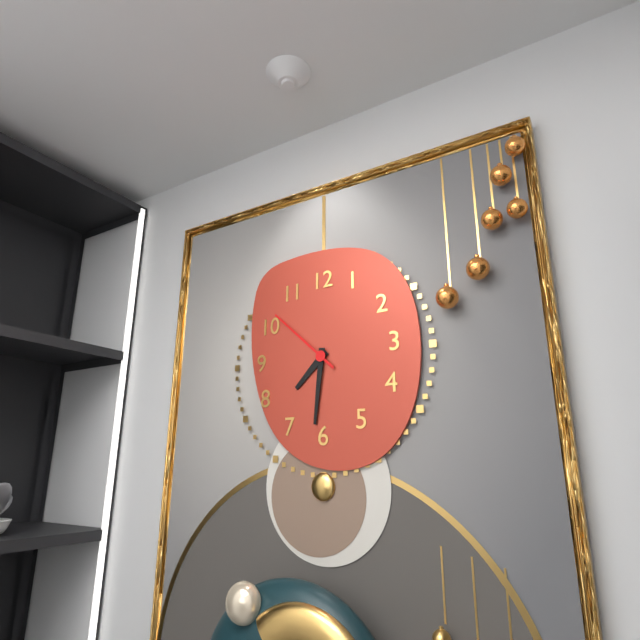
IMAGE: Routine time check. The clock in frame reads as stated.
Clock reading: 7:31:52
